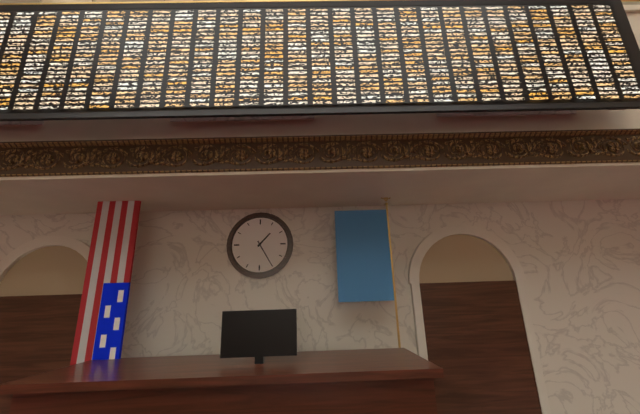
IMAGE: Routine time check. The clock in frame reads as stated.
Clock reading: 1:25
